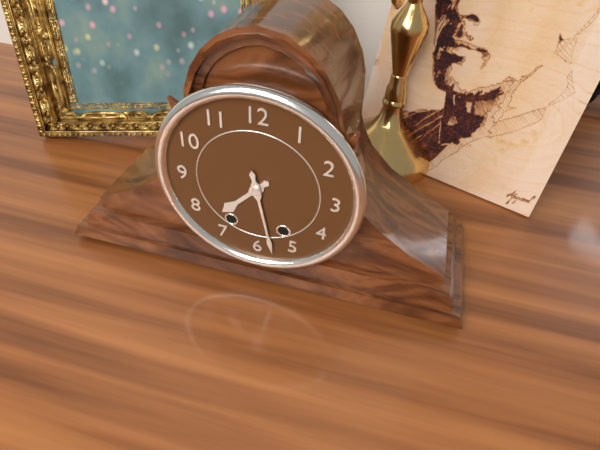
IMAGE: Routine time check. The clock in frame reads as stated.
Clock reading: 7:28
